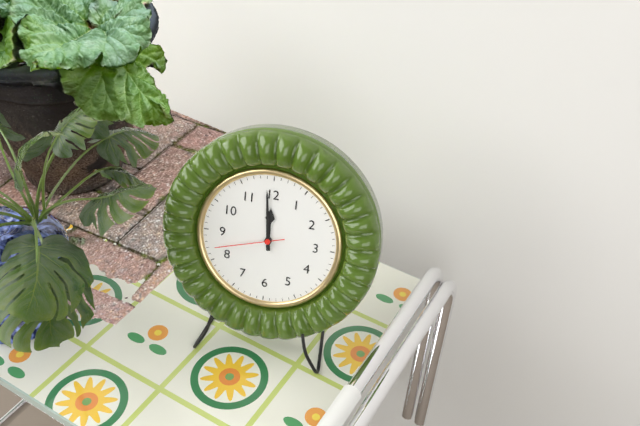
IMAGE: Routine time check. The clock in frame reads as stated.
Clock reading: 11:59:42
